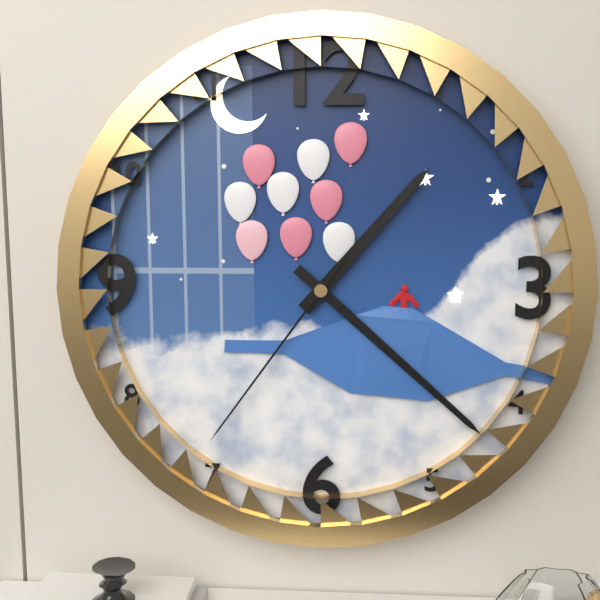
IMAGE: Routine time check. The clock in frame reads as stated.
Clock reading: 1:22:36
